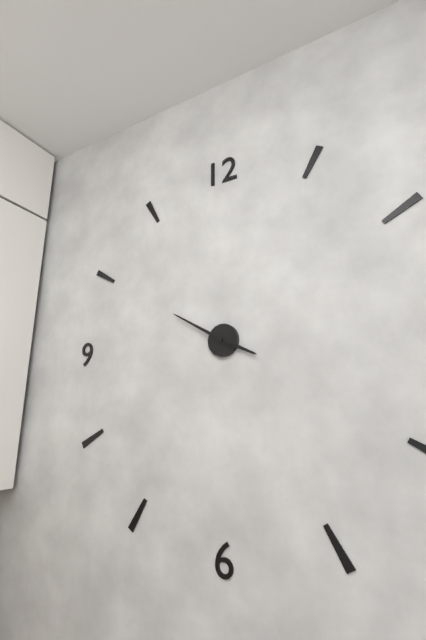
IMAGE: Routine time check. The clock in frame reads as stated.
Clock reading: 3:50
